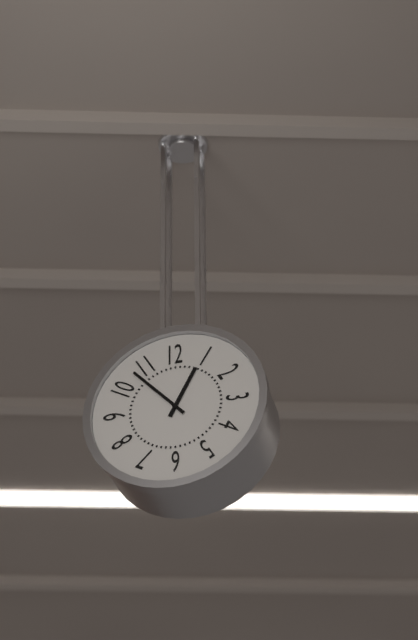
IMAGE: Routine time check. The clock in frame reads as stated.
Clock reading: 12:53
